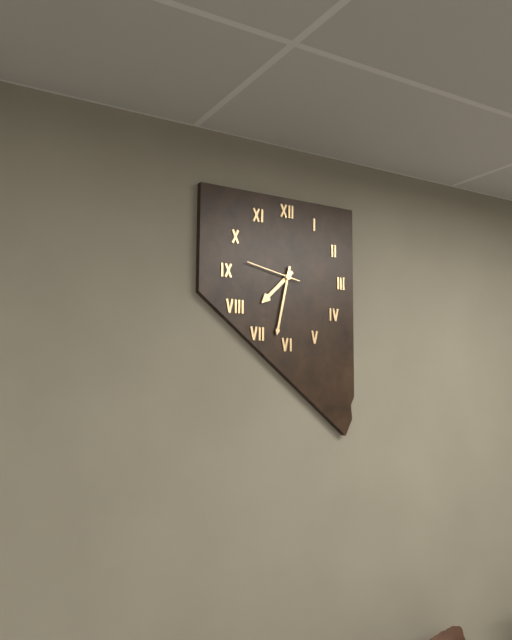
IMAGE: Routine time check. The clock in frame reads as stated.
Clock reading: 7:32
